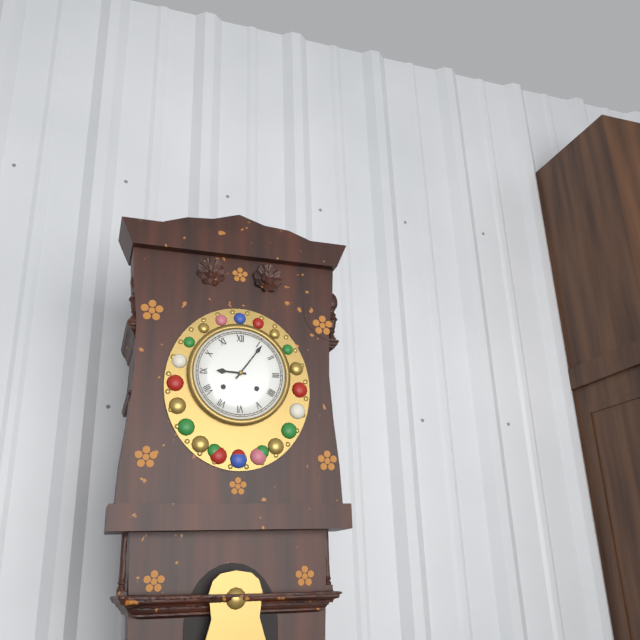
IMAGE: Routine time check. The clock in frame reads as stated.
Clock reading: 9:06
